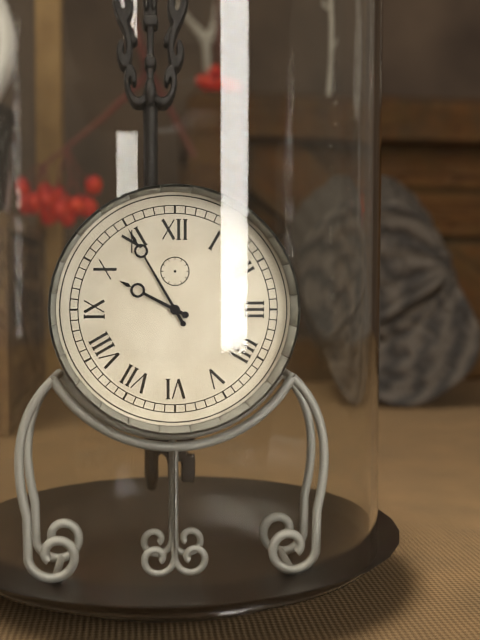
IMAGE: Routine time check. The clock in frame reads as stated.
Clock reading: 9:55
